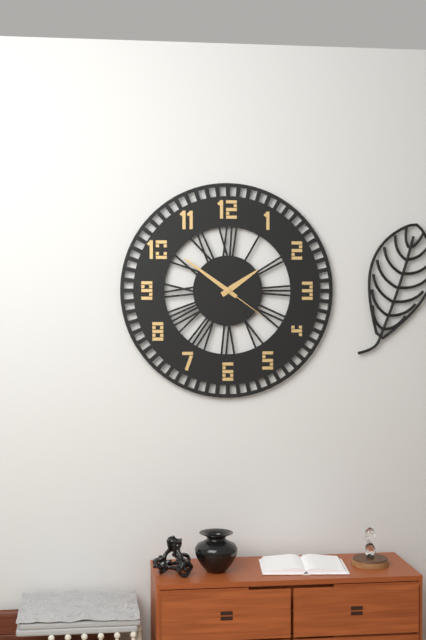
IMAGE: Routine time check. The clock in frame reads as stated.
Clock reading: 1:51:21
